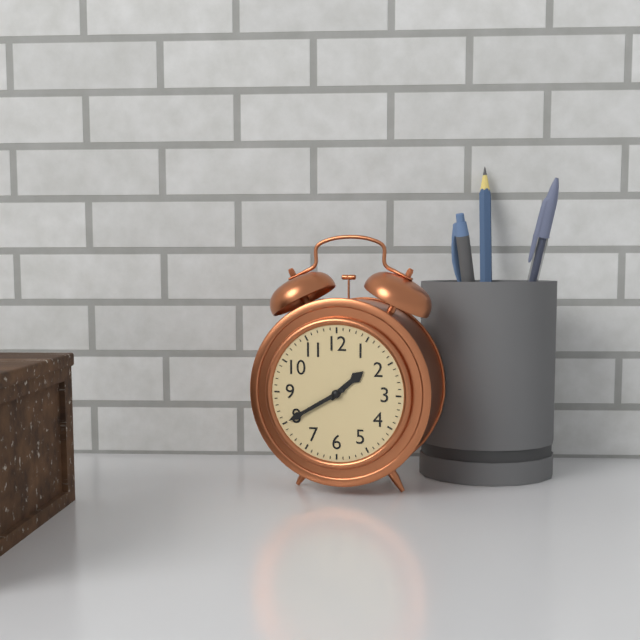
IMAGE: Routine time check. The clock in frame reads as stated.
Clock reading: 1:40
